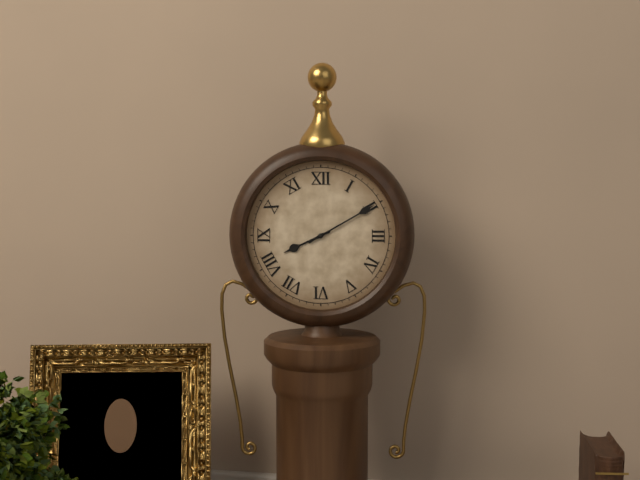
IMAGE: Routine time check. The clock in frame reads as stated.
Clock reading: 8:10
